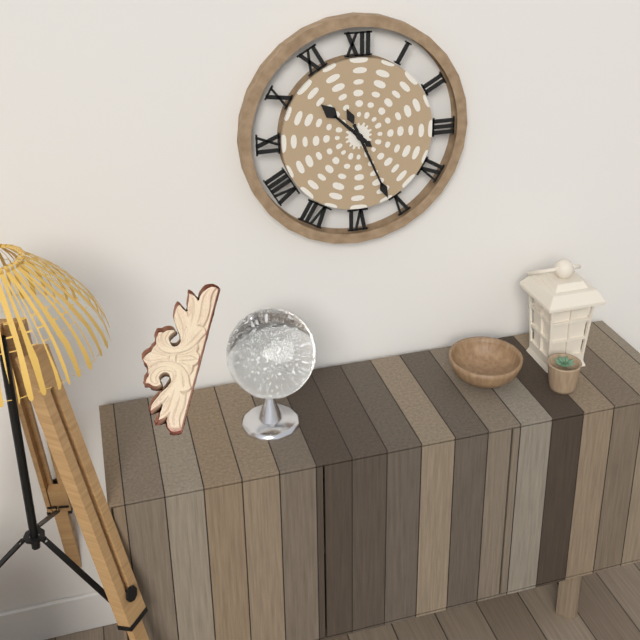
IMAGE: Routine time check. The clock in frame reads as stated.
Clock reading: 10:26
